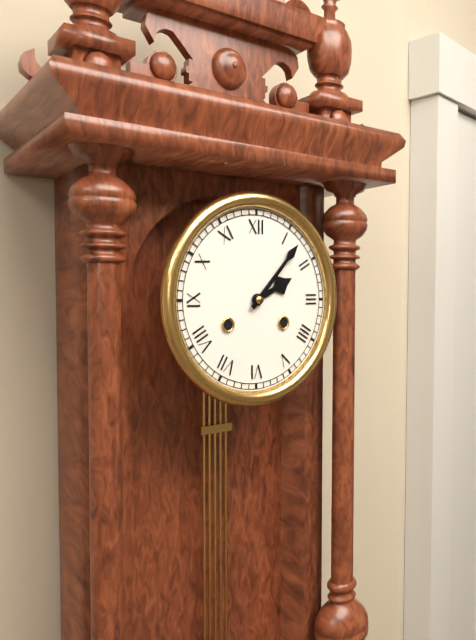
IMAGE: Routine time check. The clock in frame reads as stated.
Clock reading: 2:07
